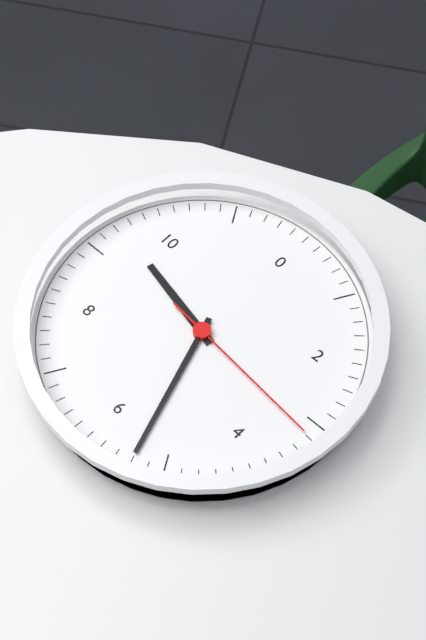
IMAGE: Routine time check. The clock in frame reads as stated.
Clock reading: 9:27:16
